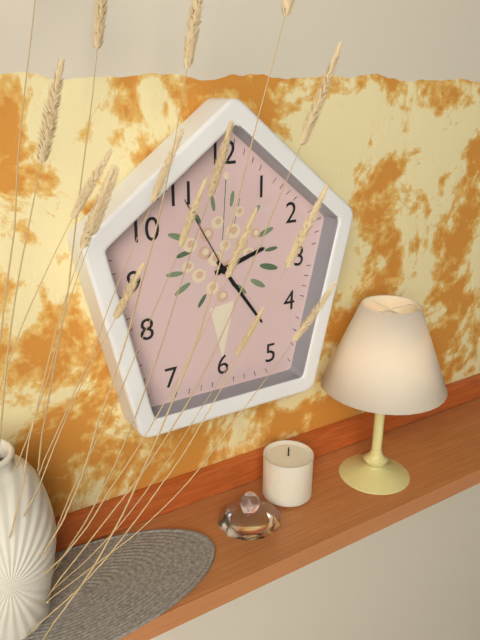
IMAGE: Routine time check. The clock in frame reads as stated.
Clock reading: 2:24:55
